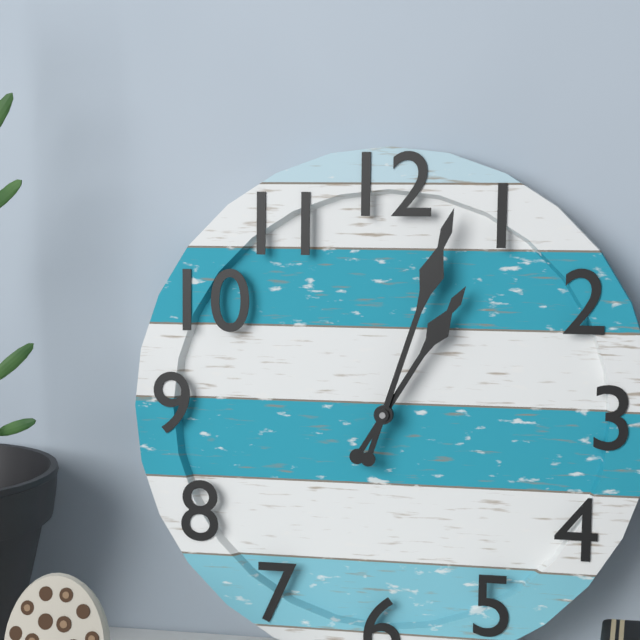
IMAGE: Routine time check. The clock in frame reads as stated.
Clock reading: 1:03
